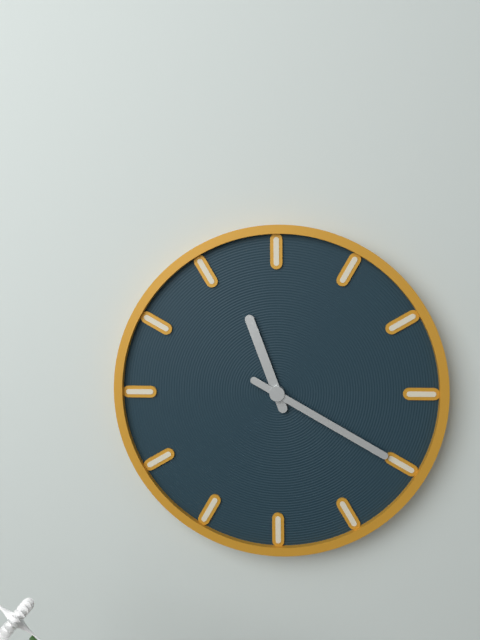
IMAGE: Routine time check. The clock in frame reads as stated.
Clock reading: 11:20
